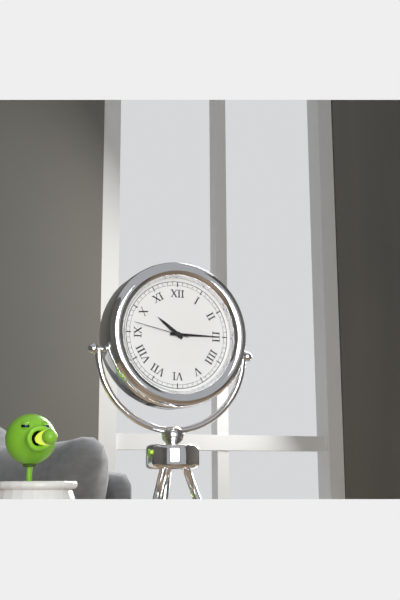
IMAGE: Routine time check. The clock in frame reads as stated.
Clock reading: 10:15:47
